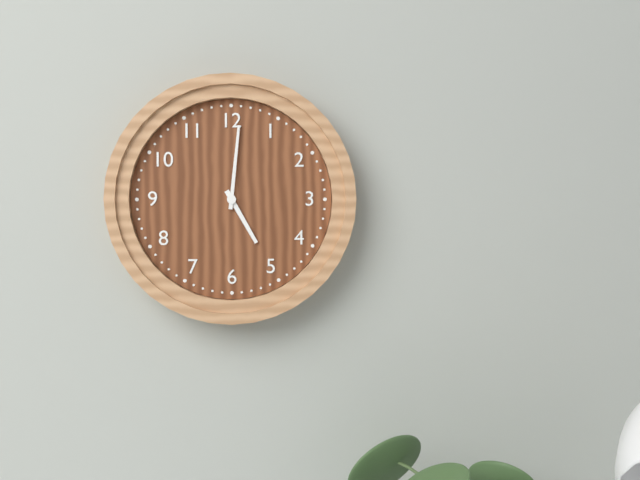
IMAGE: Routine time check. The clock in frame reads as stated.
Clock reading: 5:01
